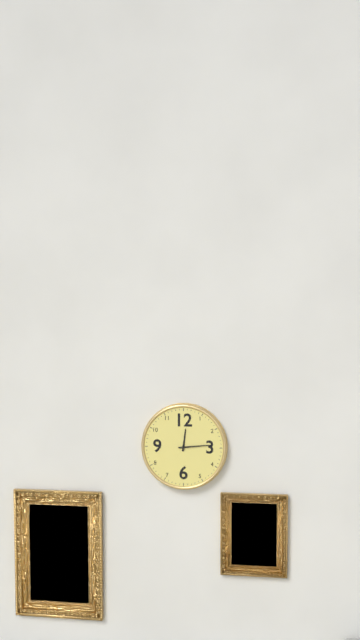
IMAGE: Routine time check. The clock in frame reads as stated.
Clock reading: 12:14
